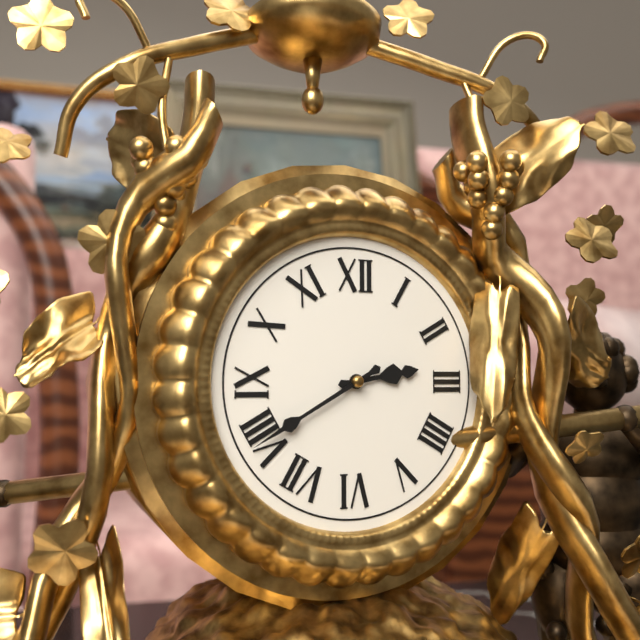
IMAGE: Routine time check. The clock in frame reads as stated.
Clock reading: 2:40
